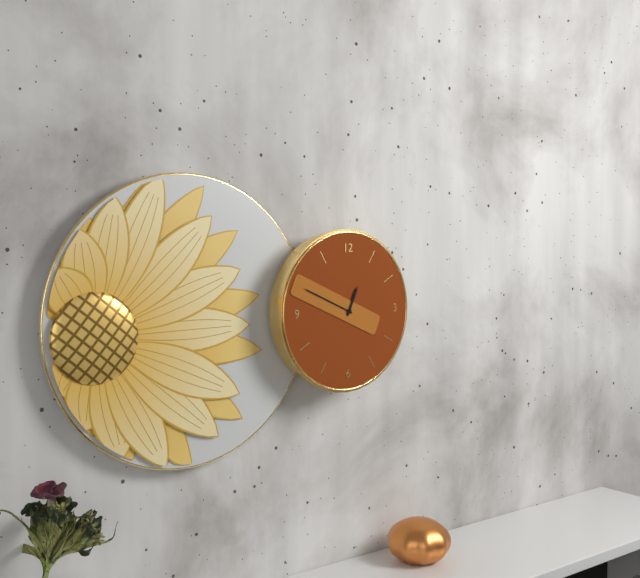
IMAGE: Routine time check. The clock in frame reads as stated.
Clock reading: 12:49
